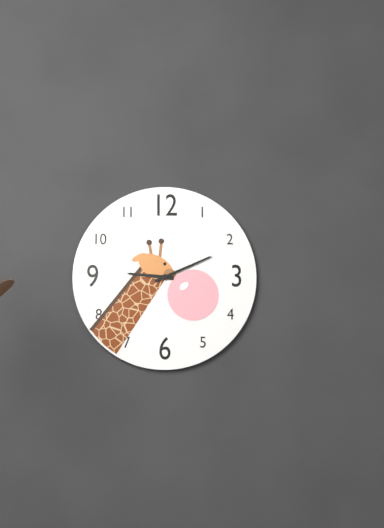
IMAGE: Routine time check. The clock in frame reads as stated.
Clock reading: 9:11
